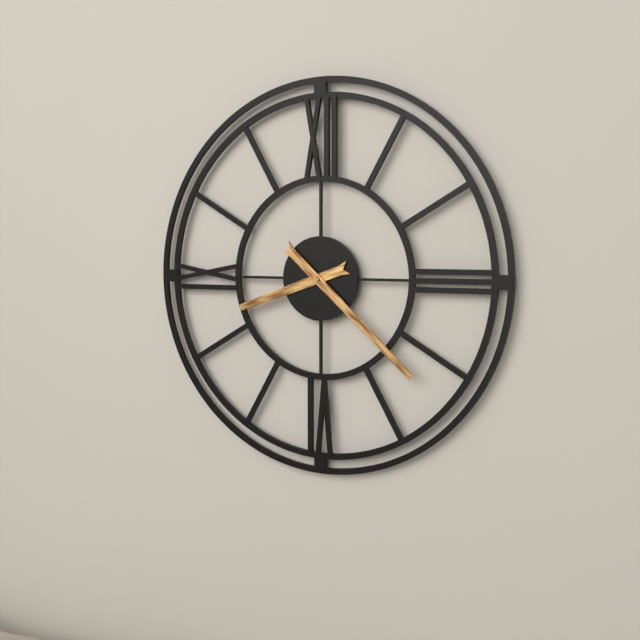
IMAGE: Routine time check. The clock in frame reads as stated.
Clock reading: 8:22
